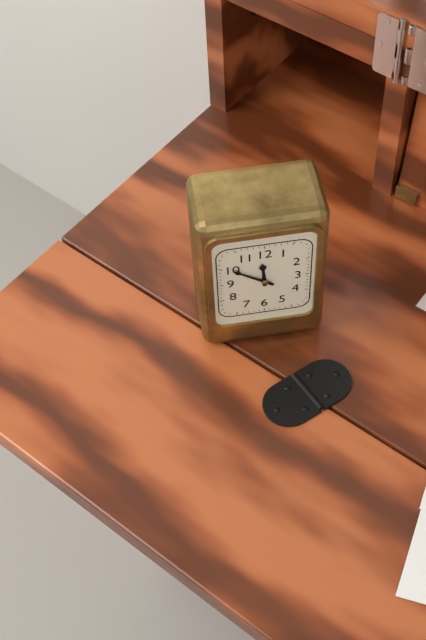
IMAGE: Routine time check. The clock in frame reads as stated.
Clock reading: 11:51
